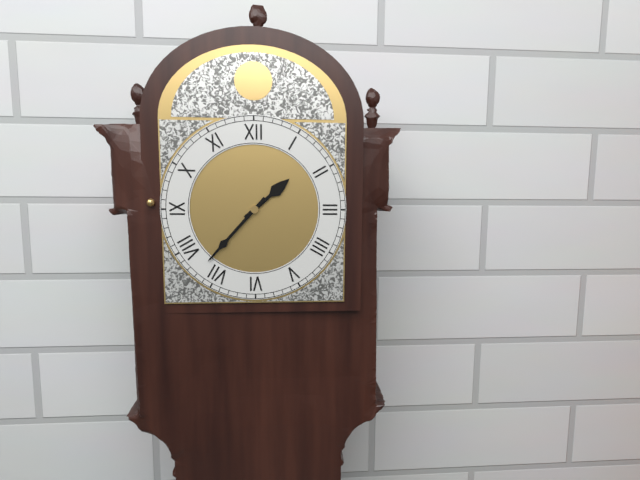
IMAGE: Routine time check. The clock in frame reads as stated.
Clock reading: 1:37
